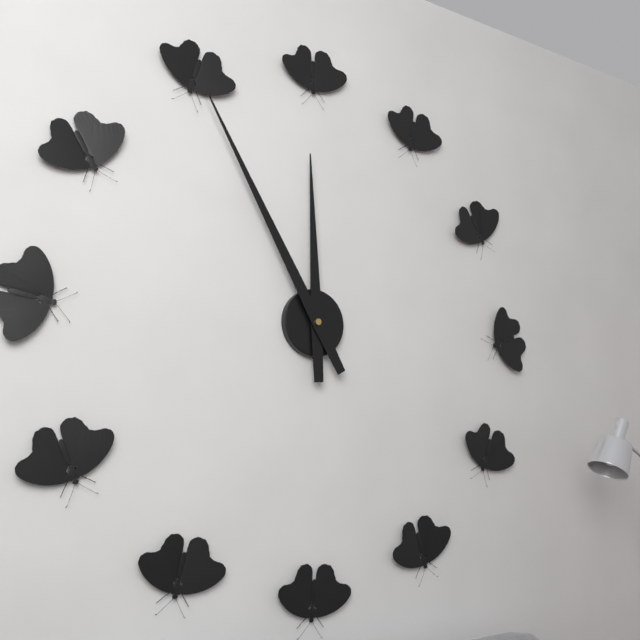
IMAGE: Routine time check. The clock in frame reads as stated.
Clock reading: 11:55
